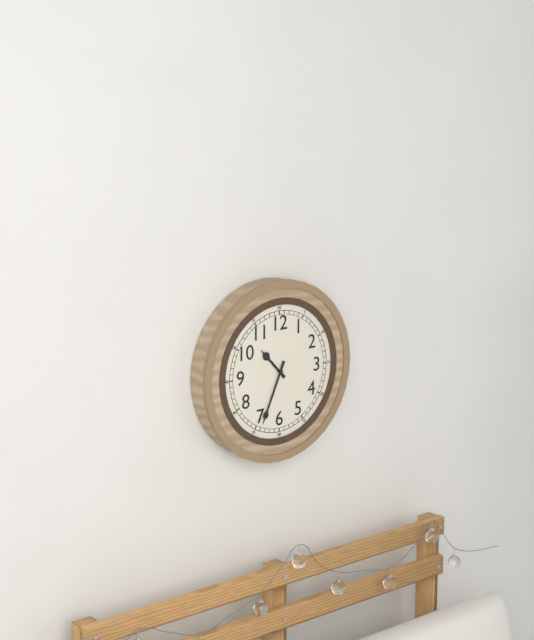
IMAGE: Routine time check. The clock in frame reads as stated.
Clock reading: 10:34
